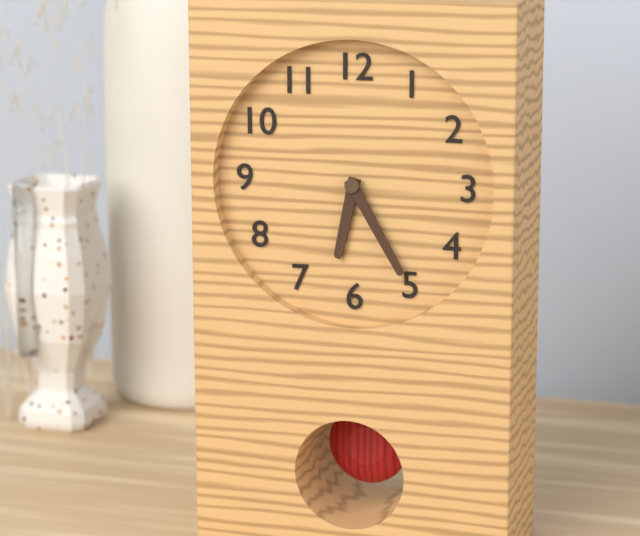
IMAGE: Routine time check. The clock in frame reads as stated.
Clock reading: 6:25
